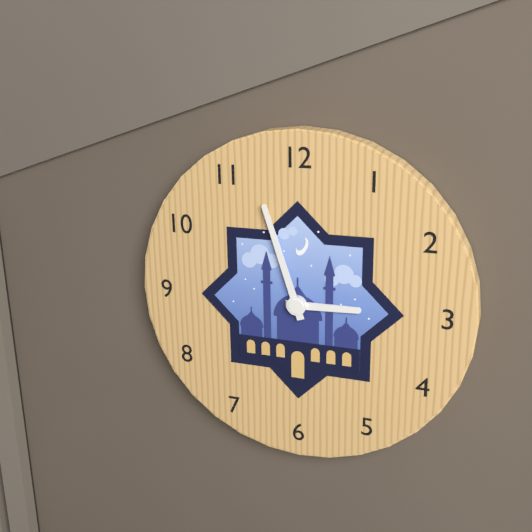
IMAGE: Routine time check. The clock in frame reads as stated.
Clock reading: 2:57
